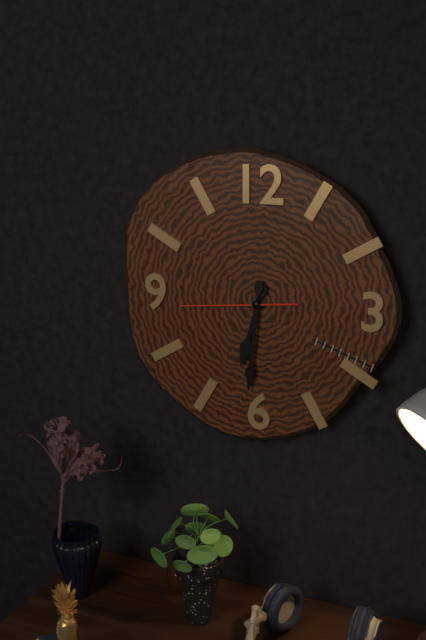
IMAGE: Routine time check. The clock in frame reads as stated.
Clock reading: 6:31:44
